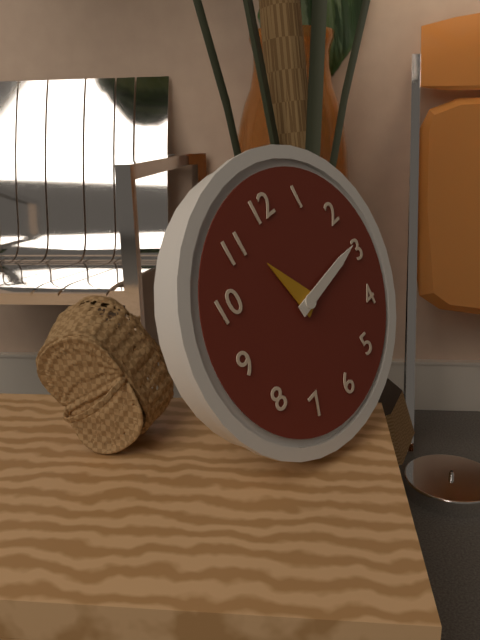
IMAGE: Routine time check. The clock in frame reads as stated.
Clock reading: 11:14
